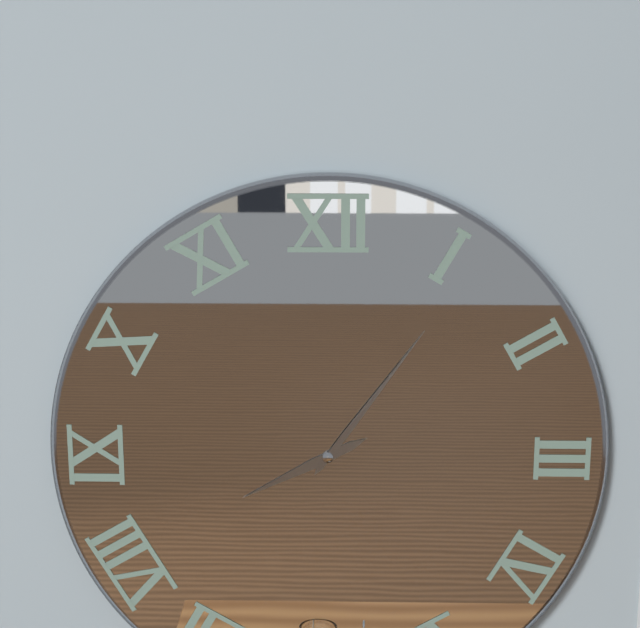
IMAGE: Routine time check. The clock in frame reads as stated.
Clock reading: 8:06
